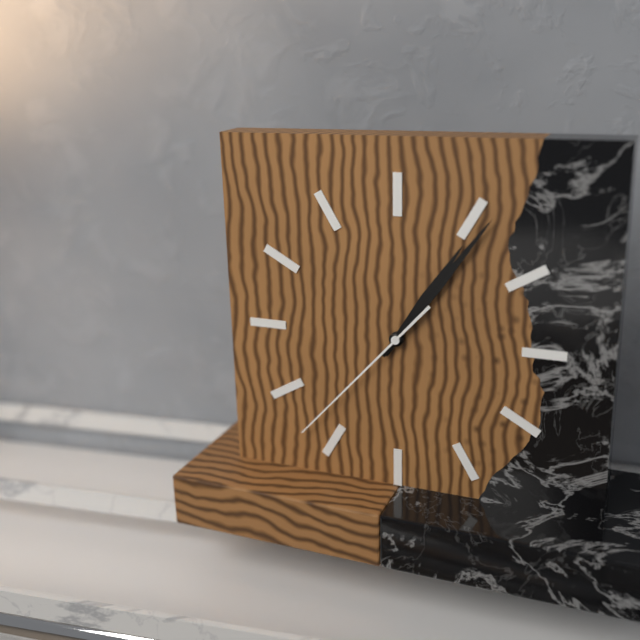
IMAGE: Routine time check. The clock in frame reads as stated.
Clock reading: 1:06:37
